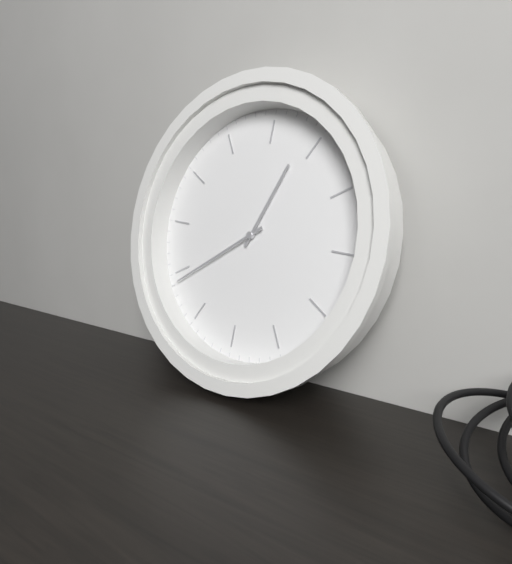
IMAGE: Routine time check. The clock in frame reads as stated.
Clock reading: 1:44
